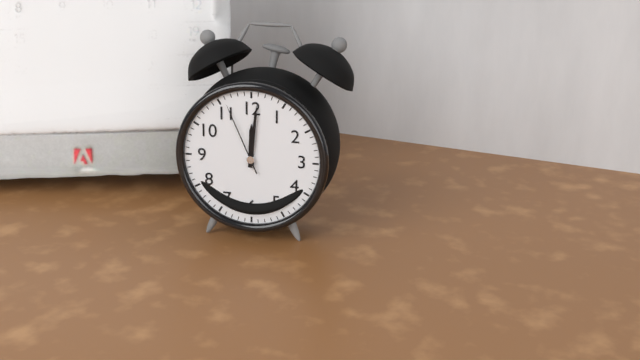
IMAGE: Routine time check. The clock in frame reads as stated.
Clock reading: 12:01:56
